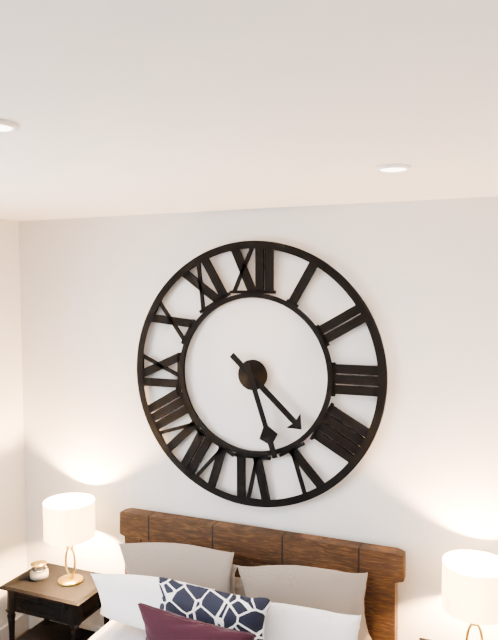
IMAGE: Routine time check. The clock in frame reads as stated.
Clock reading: 4:27
